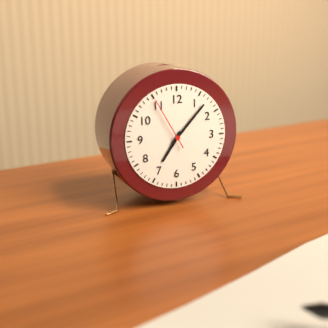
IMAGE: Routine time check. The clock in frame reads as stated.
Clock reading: 7:07:55
